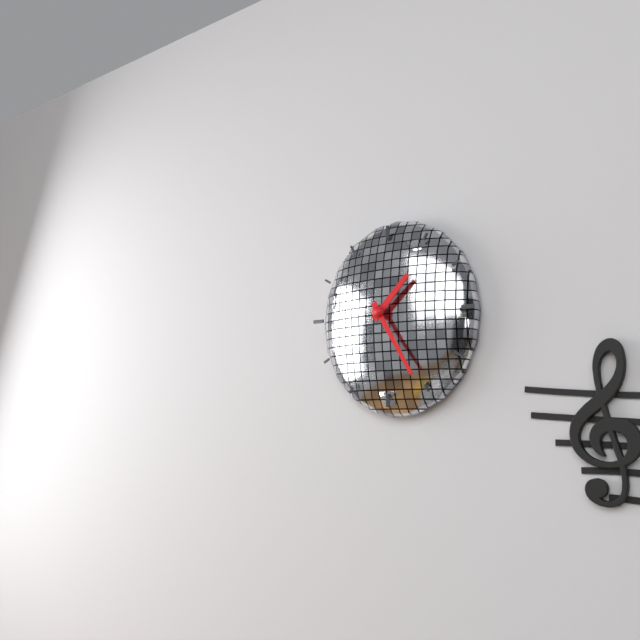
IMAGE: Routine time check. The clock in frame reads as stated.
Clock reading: 1:25
